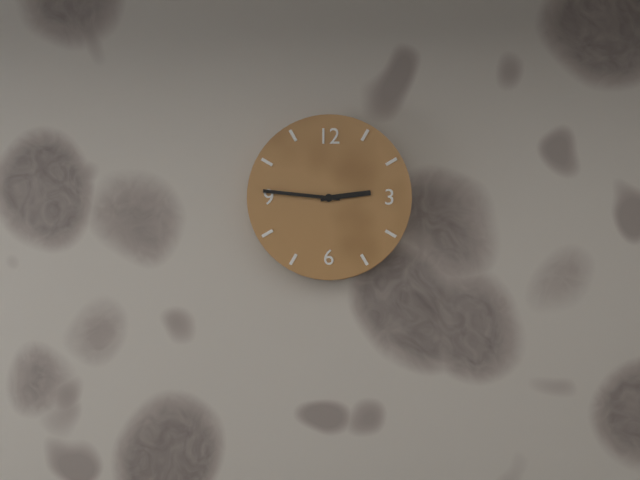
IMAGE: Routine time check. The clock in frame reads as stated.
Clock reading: 2:46
